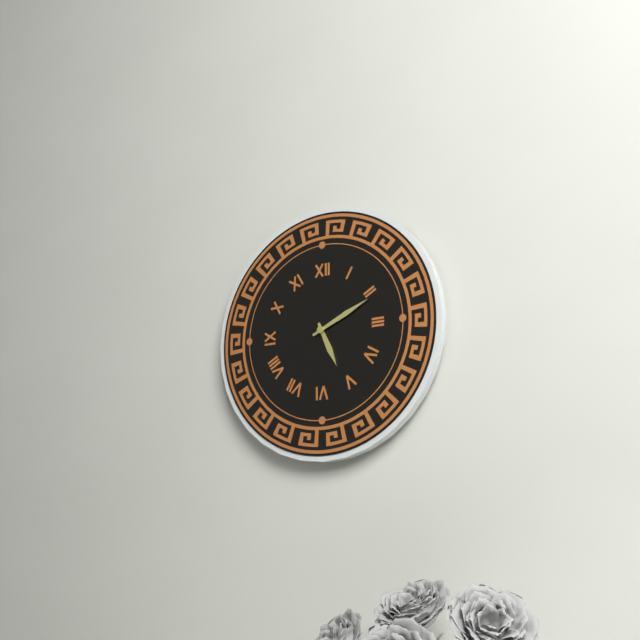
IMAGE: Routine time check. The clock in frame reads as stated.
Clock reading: 5:11
